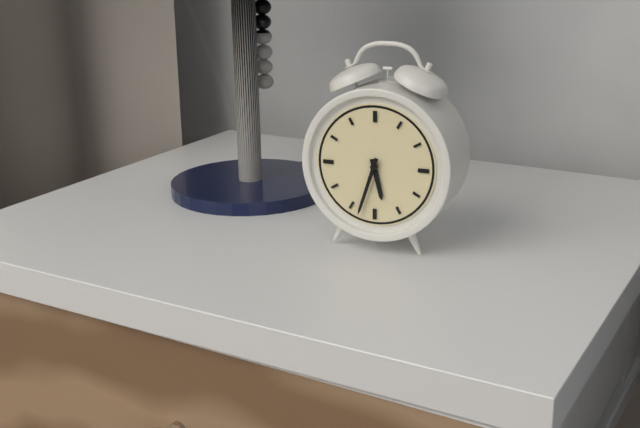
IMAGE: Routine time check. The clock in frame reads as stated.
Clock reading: 5:33
